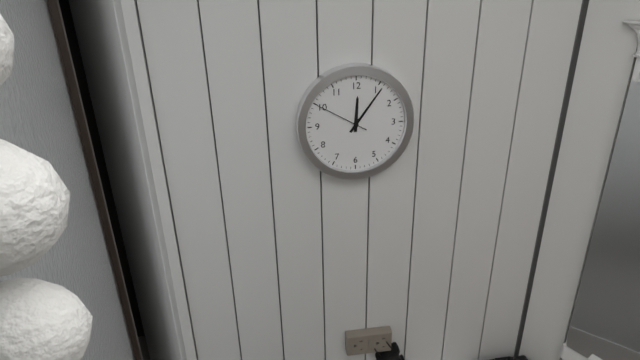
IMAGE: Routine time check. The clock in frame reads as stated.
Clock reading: 12:06:50
